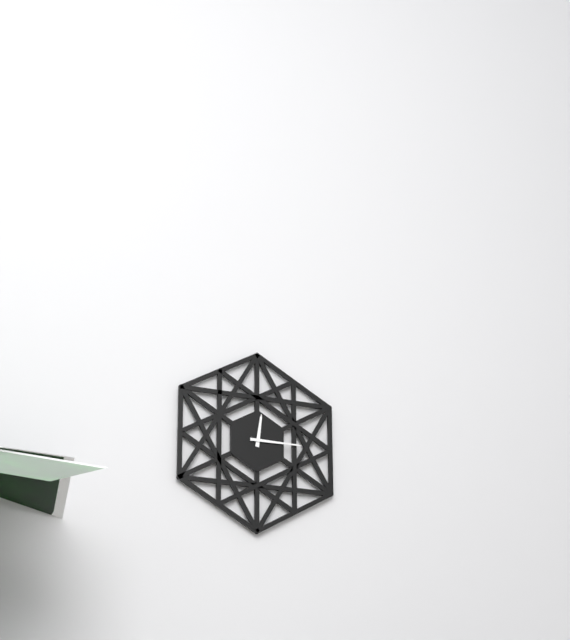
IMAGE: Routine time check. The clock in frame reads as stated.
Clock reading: 12:15
